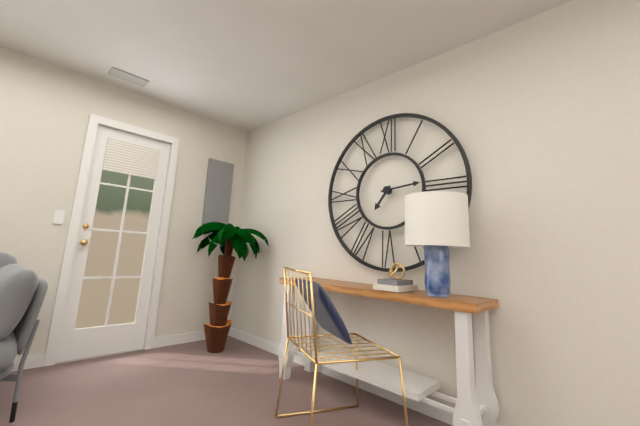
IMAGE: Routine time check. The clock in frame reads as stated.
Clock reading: 7:14
